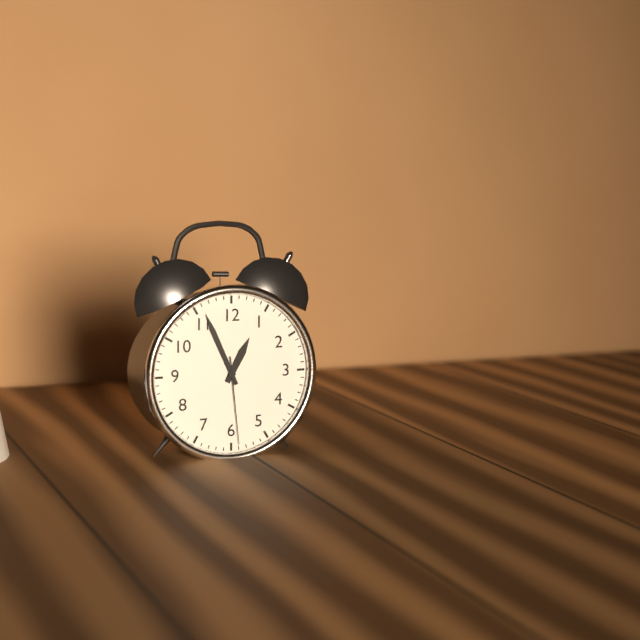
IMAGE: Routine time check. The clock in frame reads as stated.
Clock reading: 12:56:29
